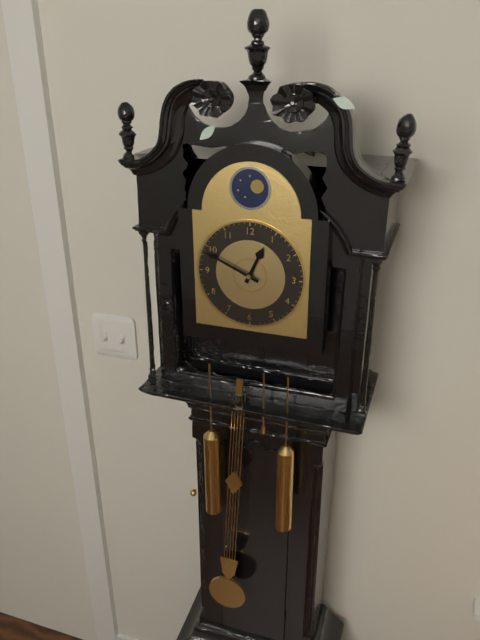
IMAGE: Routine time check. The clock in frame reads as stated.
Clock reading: 12:49
